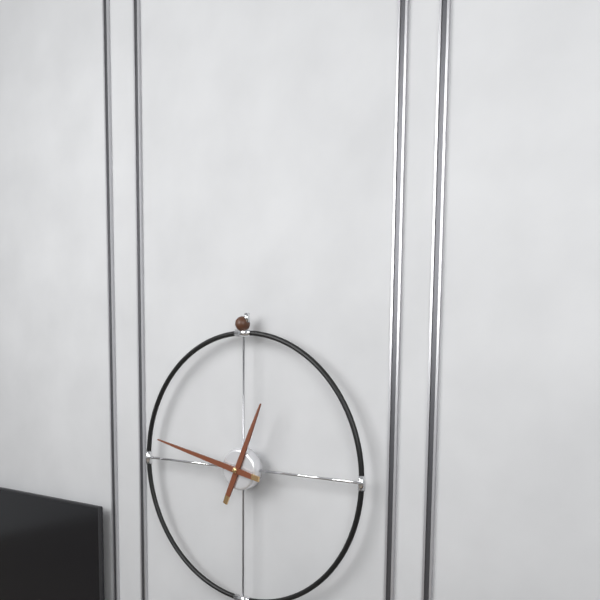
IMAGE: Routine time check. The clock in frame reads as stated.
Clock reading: 12:47
